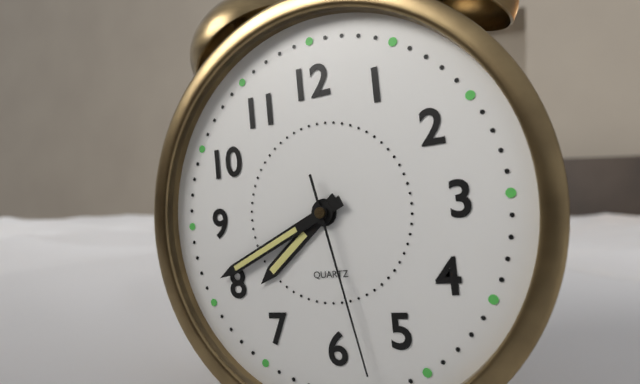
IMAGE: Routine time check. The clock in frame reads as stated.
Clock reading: 7:41:28
